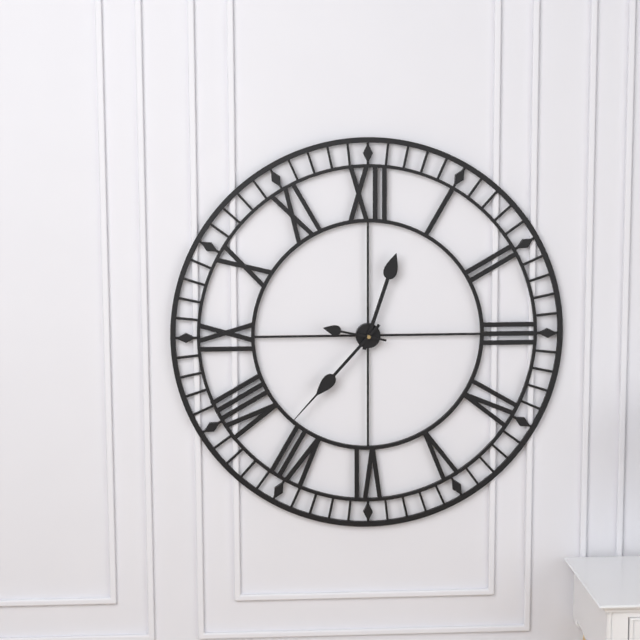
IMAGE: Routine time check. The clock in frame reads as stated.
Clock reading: 12:37:47
